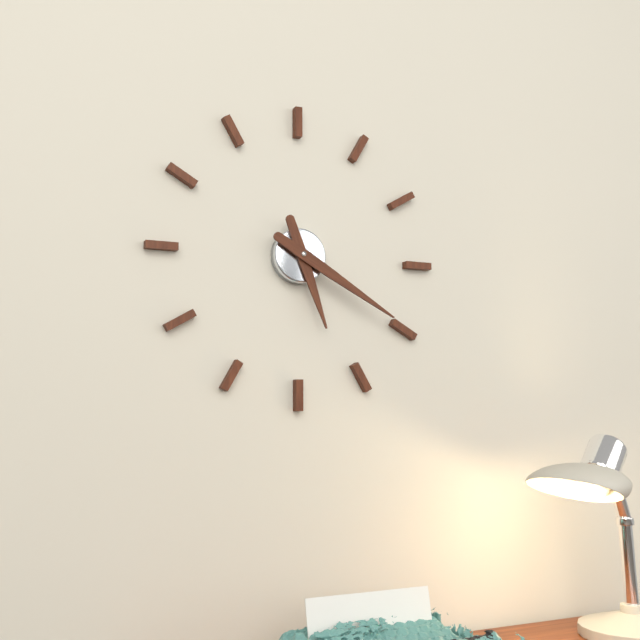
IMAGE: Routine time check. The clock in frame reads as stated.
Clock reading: 5:20
